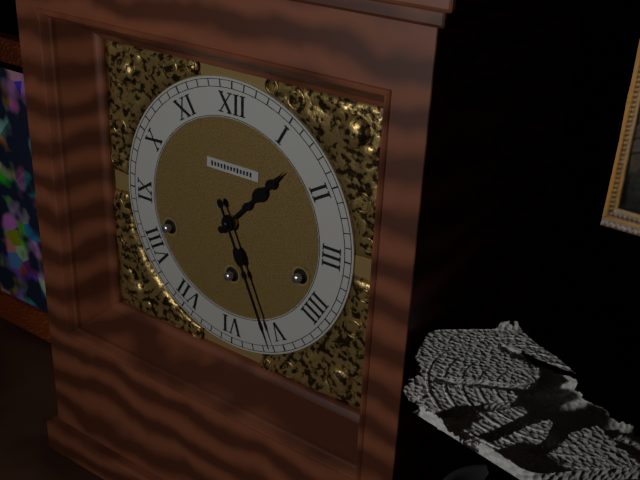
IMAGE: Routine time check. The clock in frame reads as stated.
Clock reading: 1:26
